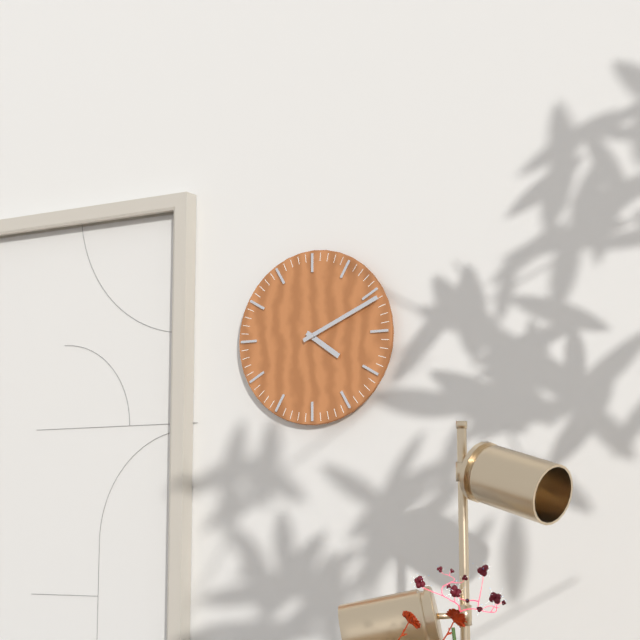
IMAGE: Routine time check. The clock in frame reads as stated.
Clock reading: 4:11
